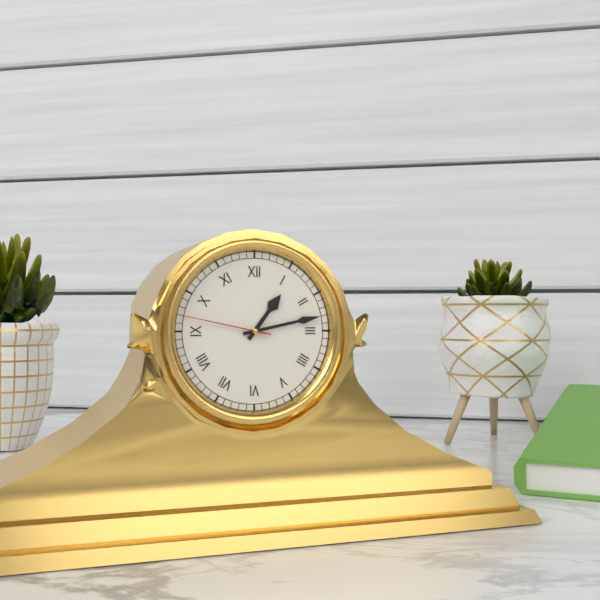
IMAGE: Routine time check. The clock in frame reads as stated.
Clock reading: 1:13:47
